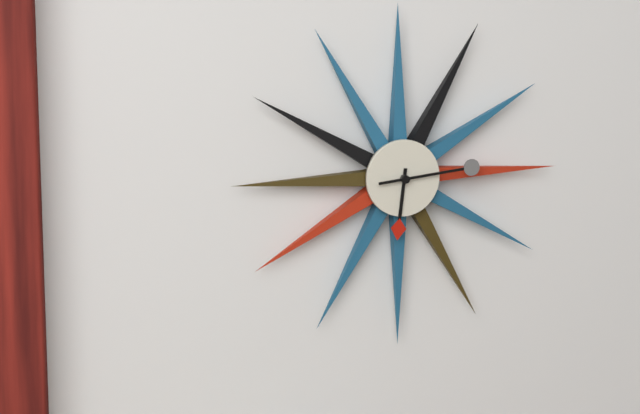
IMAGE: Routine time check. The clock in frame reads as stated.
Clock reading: 6:14
